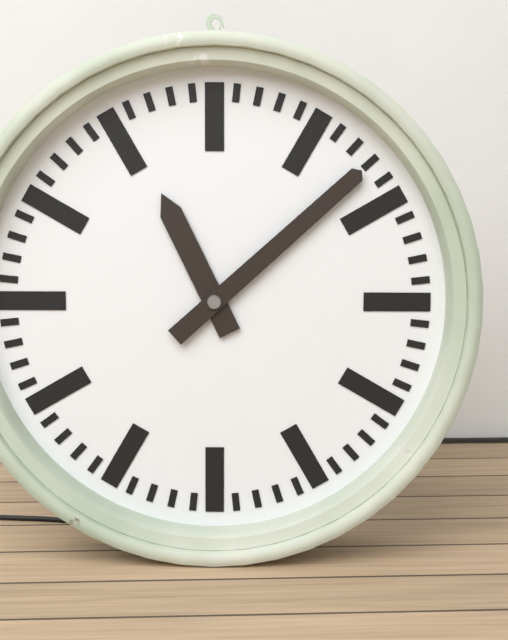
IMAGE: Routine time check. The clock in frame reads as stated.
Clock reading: 11:08
